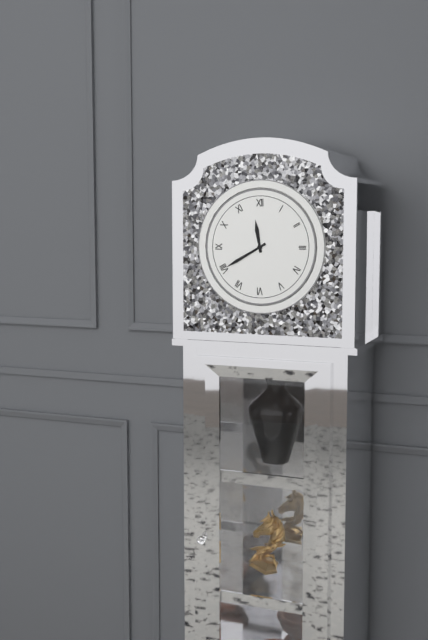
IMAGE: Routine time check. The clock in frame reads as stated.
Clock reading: 11:40
